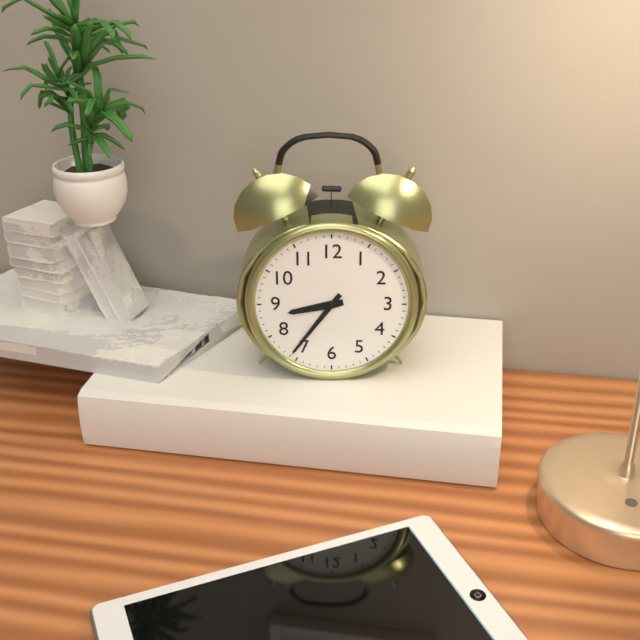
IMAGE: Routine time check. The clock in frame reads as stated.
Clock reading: 8:36
